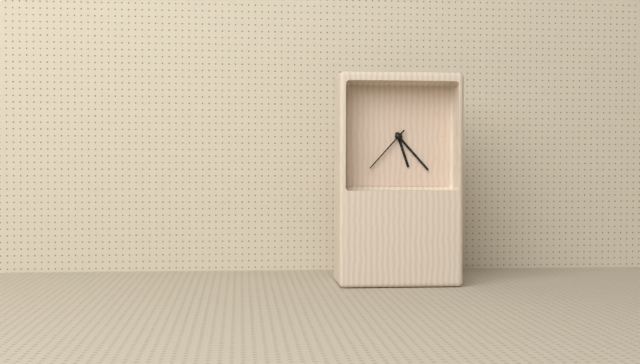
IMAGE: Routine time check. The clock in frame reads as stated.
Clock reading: 5:23:37
